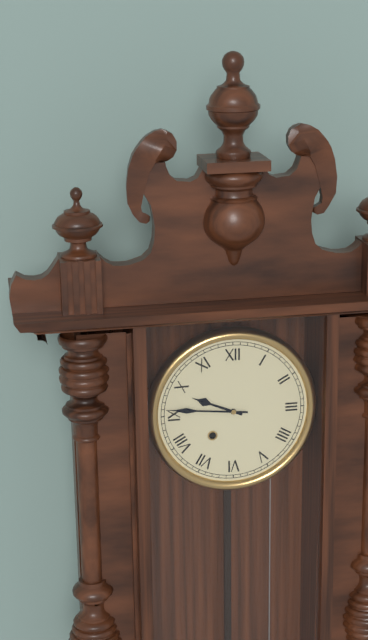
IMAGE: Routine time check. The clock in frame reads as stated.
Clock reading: 9:46
